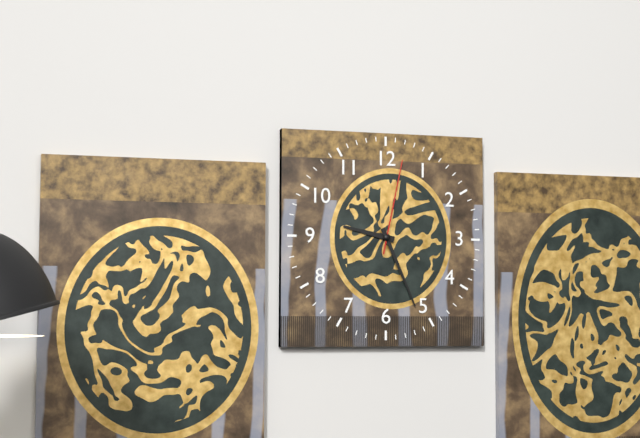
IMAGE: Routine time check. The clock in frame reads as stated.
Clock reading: 9:26:02
